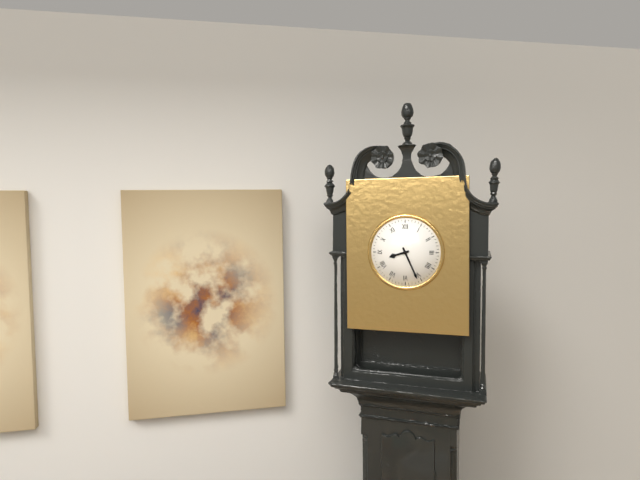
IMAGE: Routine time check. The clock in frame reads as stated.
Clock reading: 8:26
